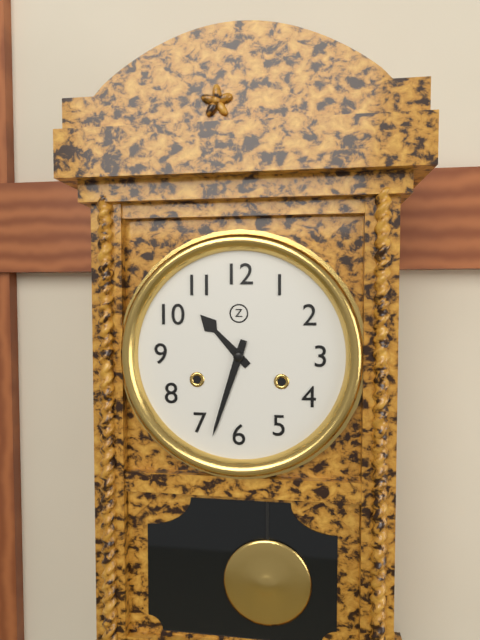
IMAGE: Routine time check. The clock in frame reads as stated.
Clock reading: 10:33
